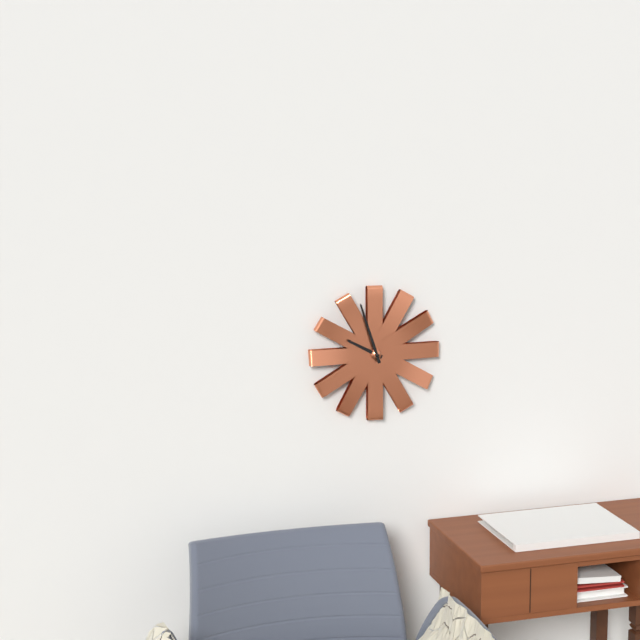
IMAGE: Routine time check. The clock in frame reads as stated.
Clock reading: 9:57
